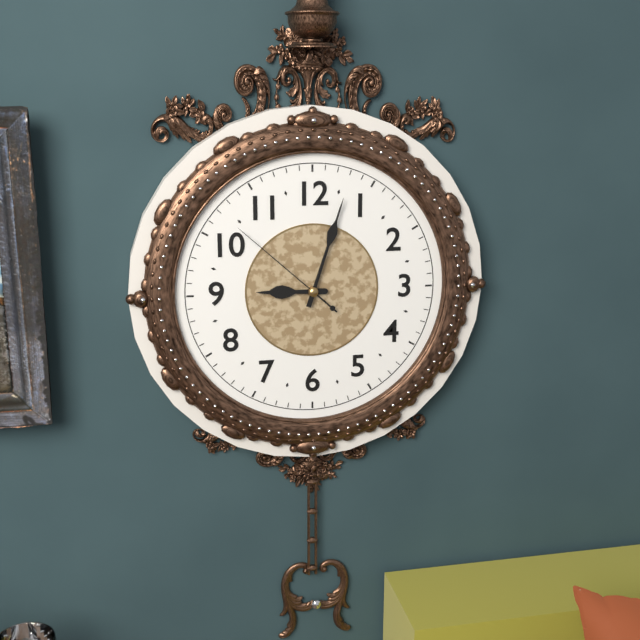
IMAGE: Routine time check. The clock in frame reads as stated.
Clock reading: 9:03:52
